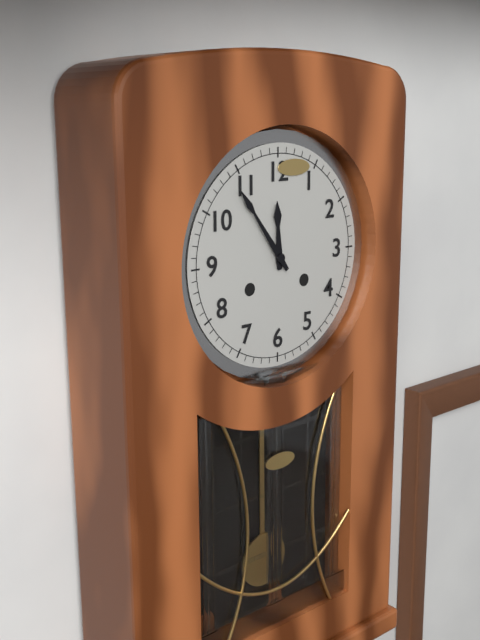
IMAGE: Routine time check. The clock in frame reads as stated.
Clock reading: 11:54
